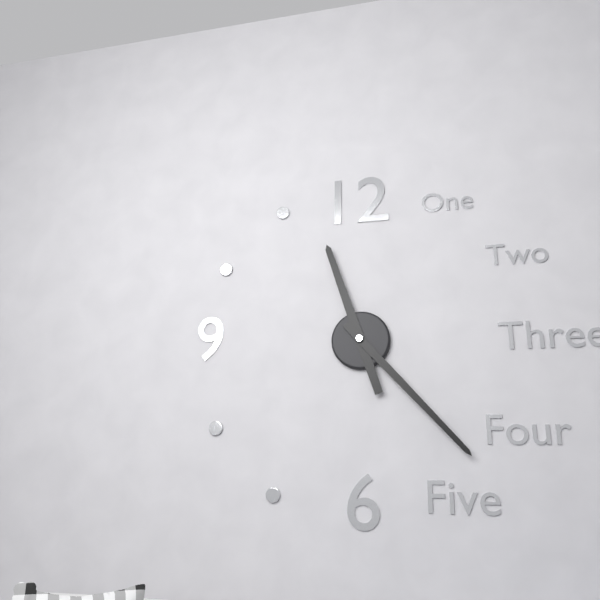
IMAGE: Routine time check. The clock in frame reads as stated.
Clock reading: 11:23
